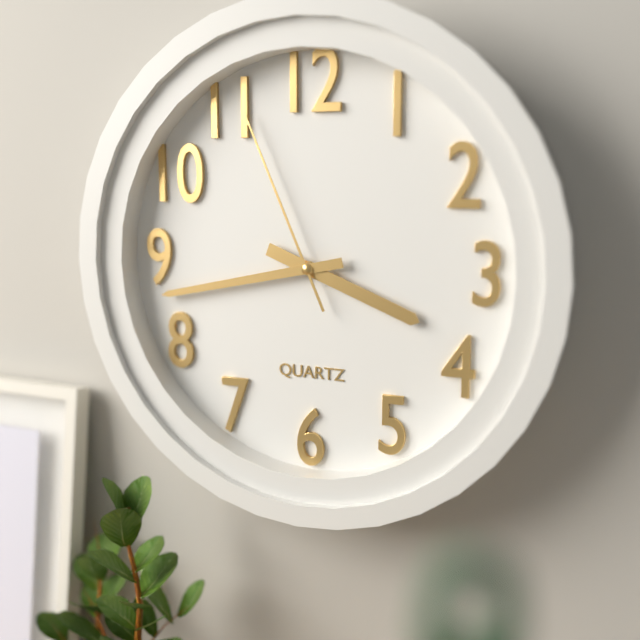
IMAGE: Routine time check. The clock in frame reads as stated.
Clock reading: 3:43:56
